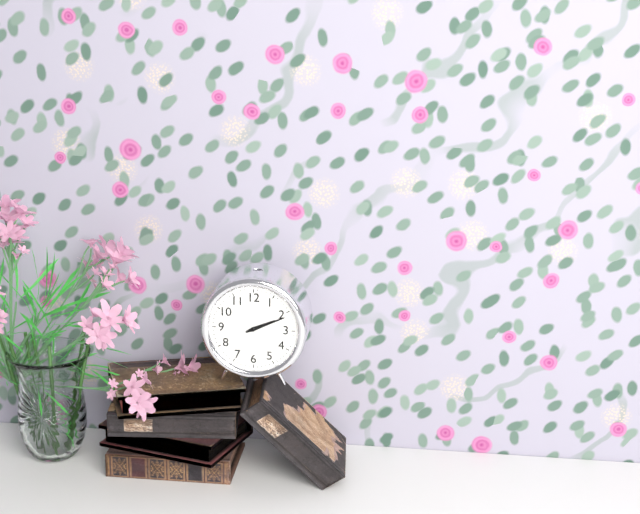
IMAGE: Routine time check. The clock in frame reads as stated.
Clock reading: 2:11
